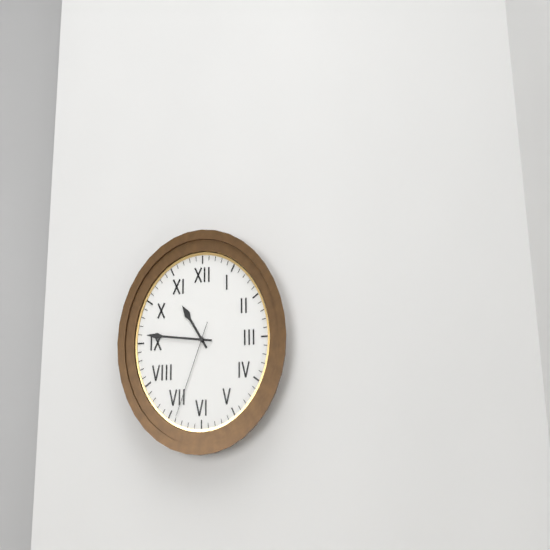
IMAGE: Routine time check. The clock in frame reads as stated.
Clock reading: 10:46:34
